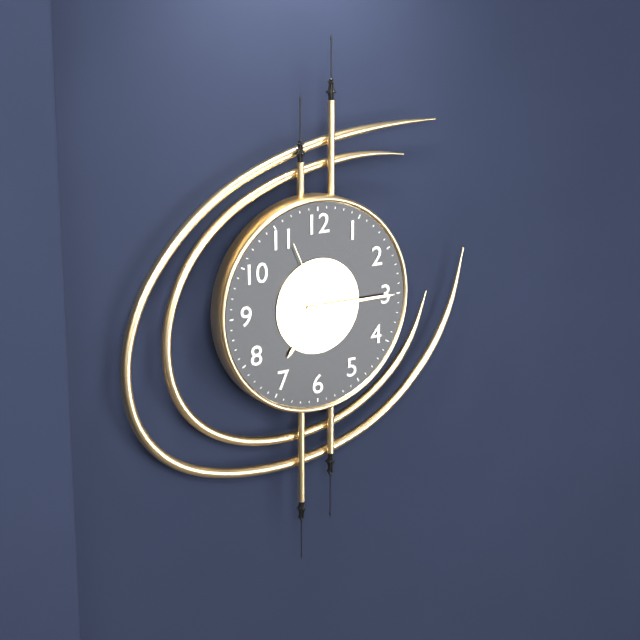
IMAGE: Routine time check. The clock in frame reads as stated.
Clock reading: 7:15:56
